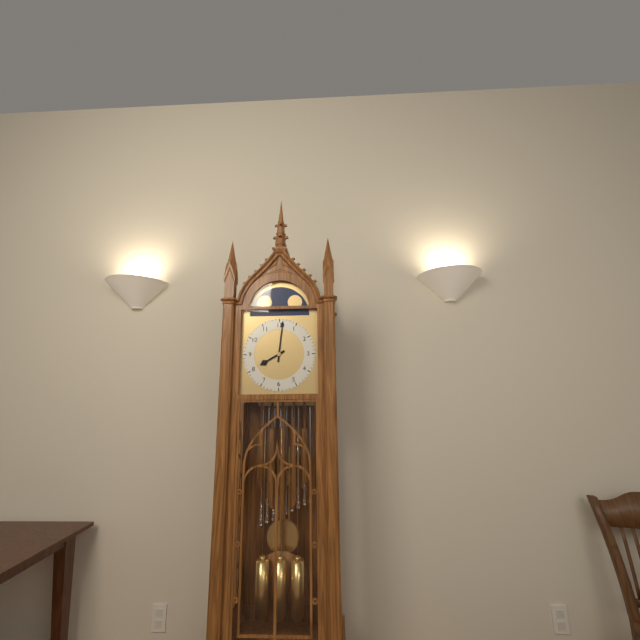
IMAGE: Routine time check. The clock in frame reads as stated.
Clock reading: 8:01
